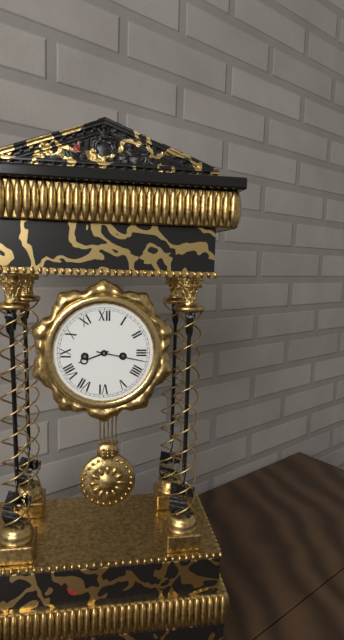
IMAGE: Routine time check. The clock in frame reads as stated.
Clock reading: 8:17
